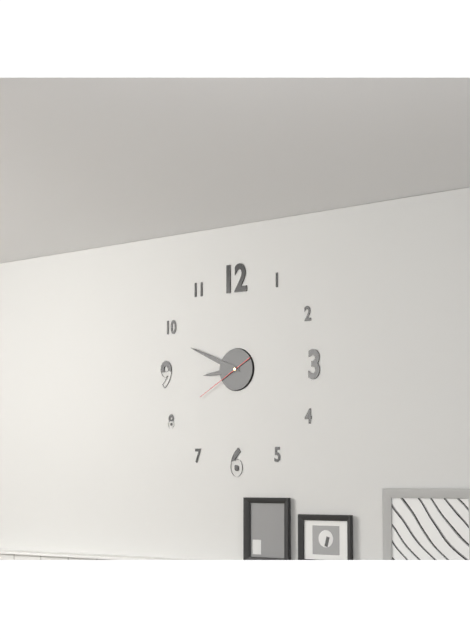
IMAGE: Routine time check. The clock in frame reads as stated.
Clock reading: 8:49:40
